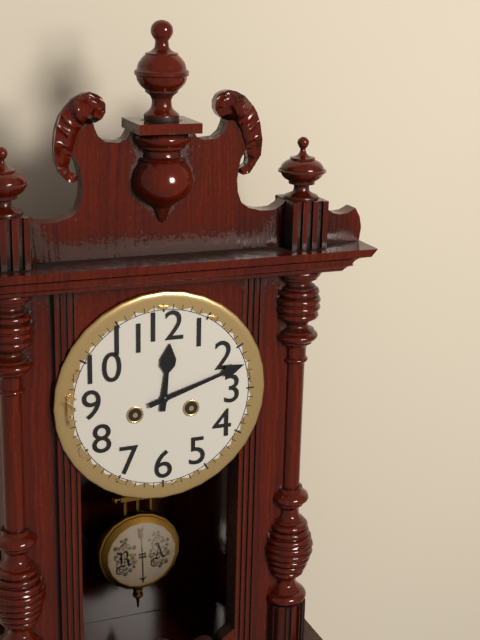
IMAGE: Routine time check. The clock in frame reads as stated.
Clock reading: 12:12
